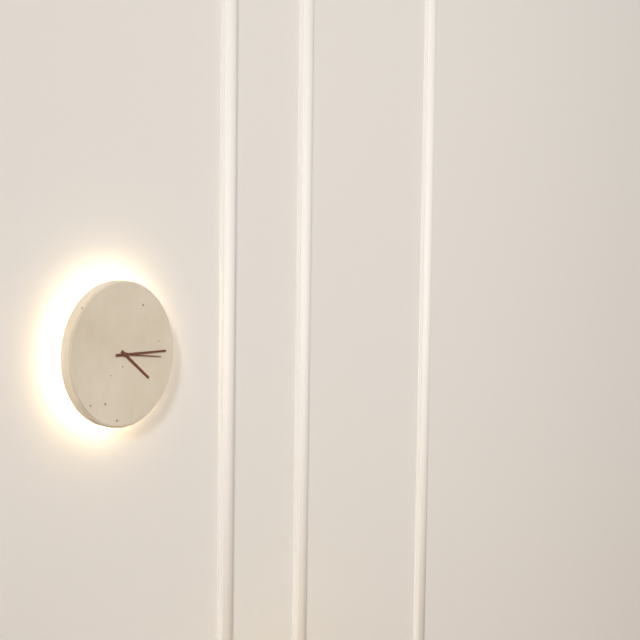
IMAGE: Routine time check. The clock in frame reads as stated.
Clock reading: 4:15
